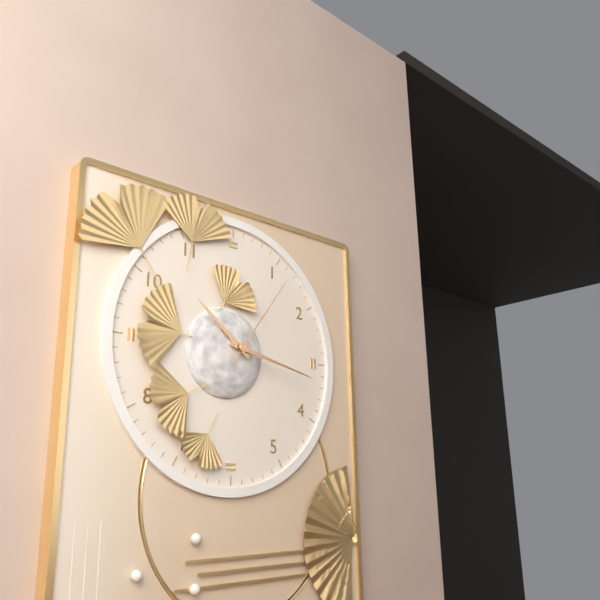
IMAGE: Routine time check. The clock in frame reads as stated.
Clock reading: 10:17:06
